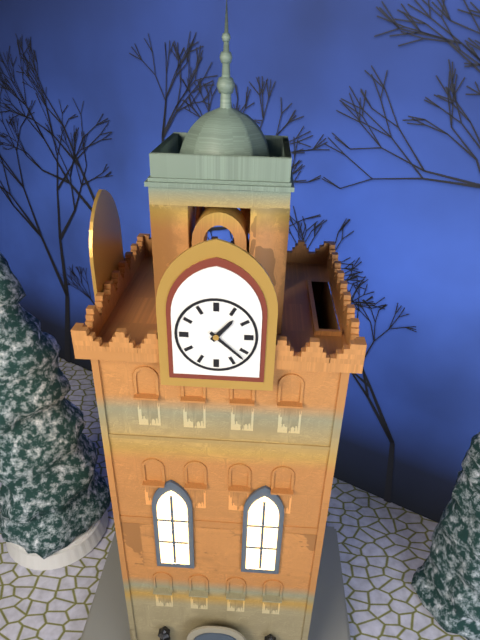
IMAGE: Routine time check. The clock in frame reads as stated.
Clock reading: 1:22
